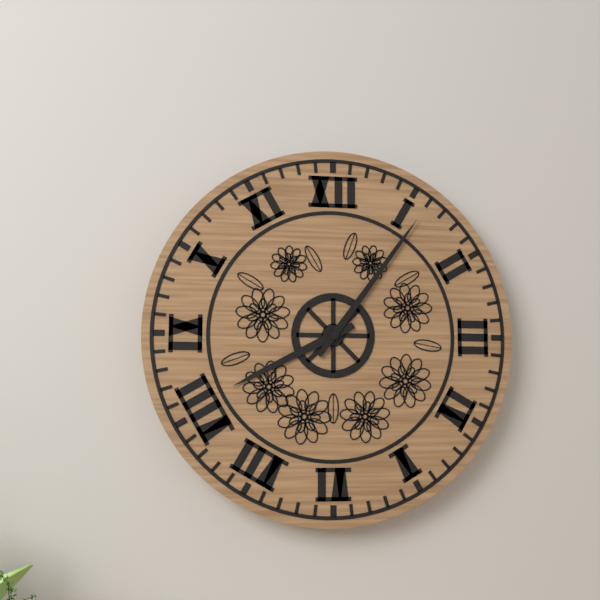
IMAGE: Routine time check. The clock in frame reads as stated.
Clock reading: 8:06
